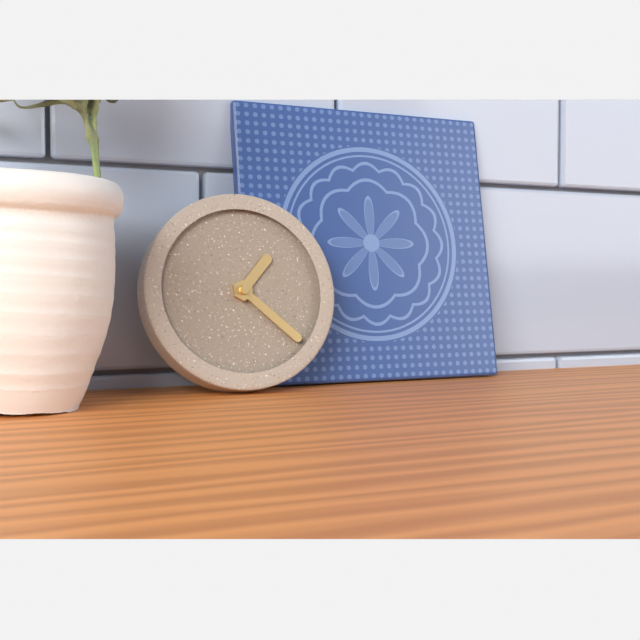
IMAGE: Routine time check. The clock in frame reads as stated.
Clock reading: 1:22
